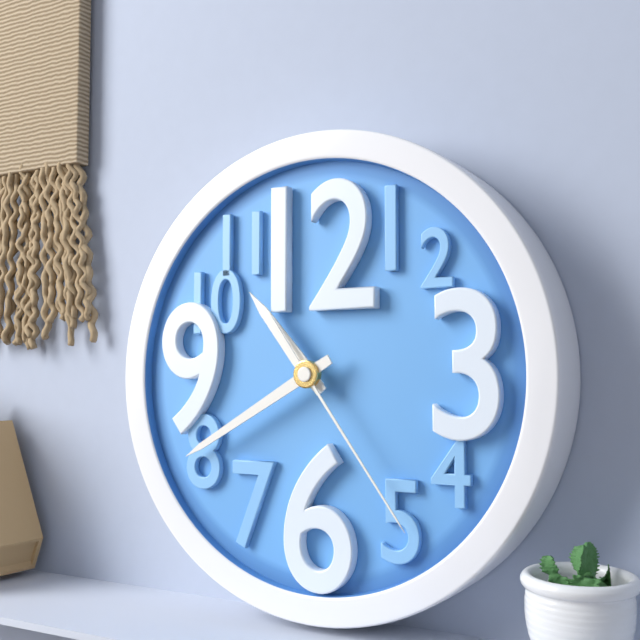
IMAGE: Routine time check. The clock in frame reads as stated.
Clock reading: 10:40:24
